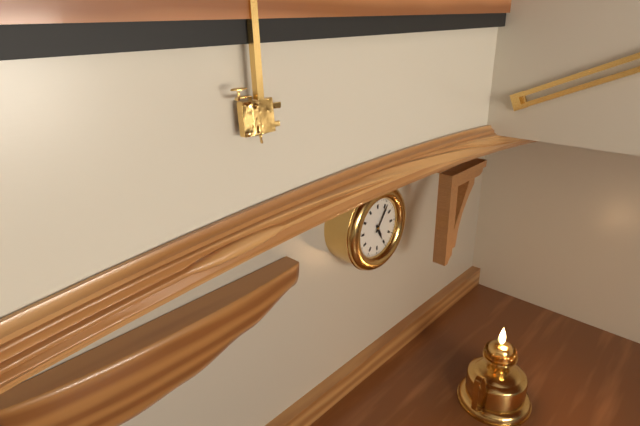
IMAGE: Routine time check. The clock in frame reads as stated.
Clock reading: 5:06
